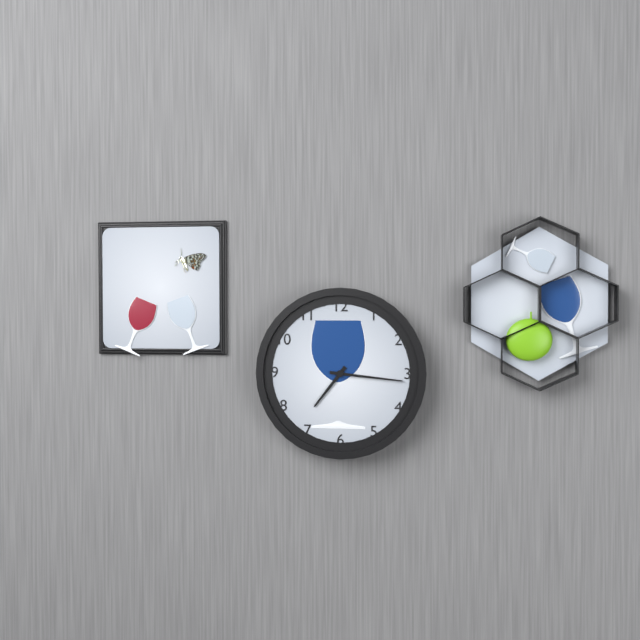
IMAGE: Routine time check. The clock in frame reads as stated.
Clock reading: 7:16
